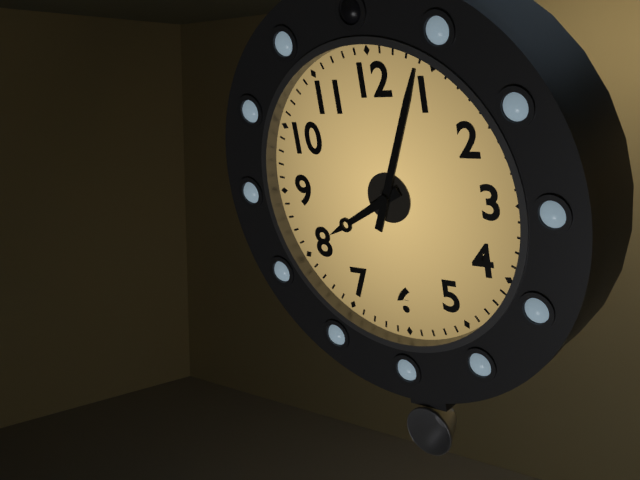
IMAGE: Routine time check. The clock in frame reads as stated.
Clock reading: 8:04
